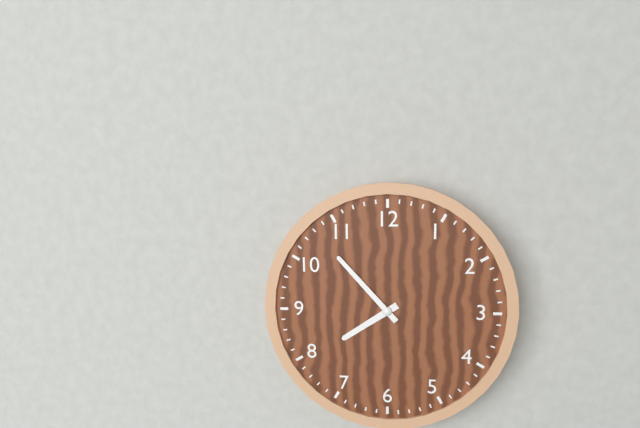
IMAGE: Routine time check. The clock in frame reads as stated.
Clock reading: 7:53
